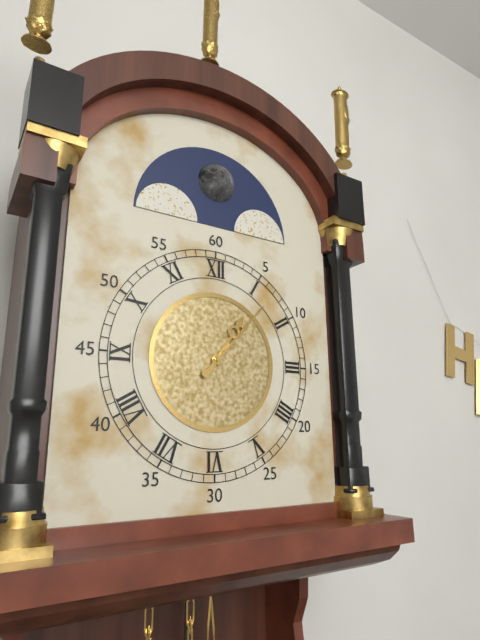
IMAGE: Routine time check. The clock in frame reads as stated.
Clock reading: 1:07
